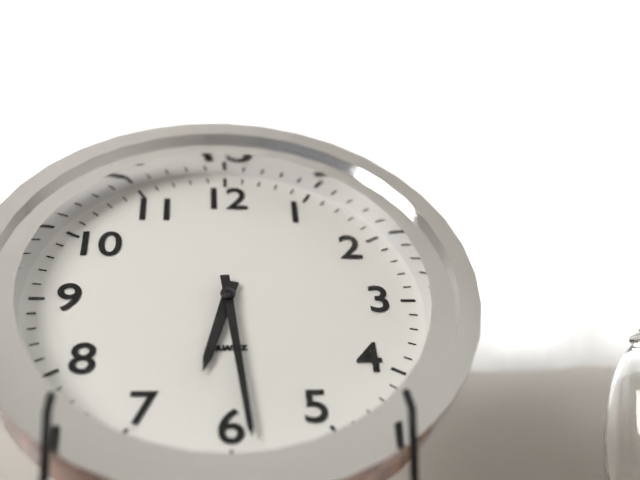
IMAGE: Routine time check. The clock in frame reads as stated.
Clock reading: 6:29
